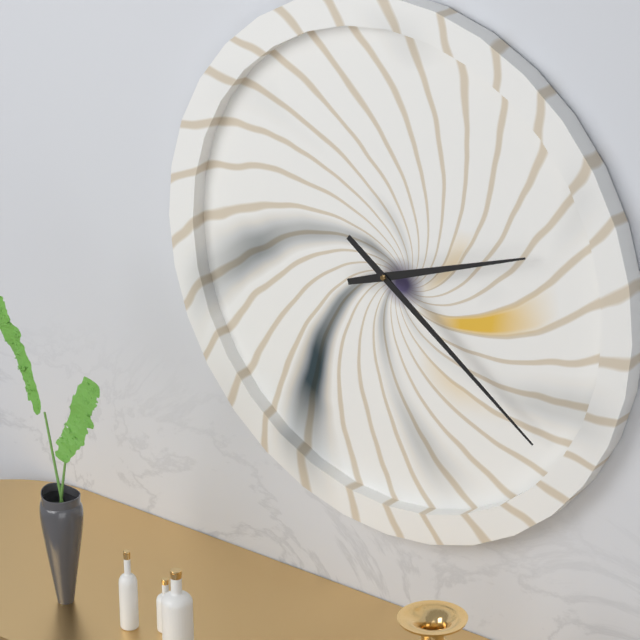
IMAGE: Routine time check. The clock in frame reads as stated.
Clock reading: 2:21
